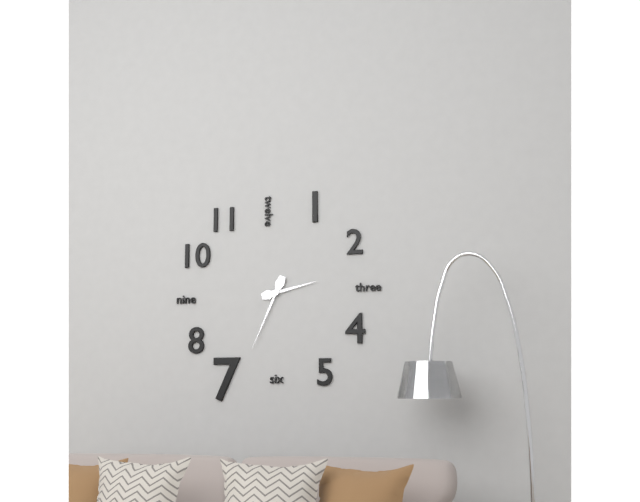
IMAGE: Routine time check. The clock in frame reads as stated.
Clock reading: 2:34
